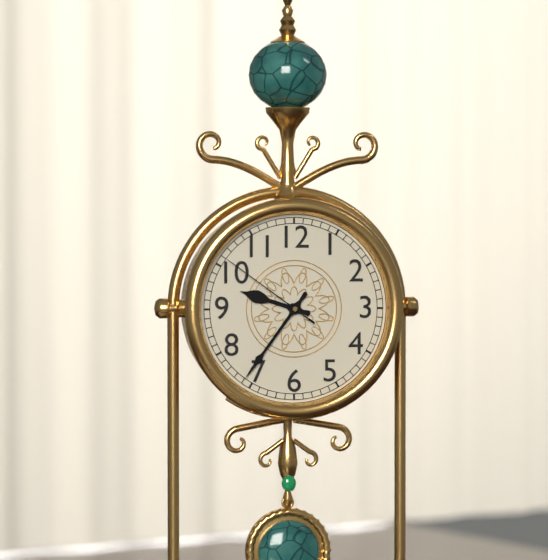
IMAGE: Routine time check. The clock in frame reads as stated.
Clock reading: 9:36:51
